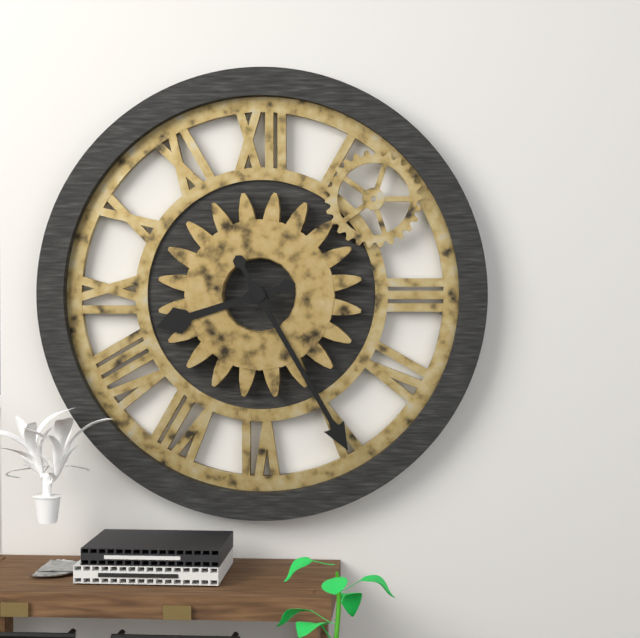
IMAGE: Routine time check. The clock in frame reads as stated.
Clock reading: 8:25
